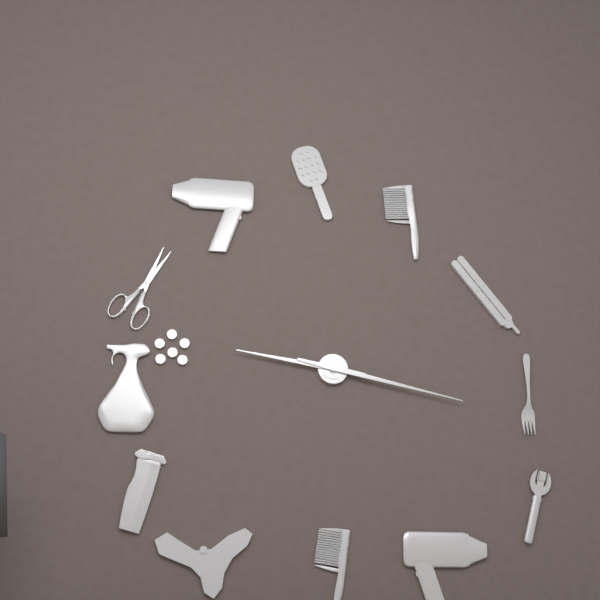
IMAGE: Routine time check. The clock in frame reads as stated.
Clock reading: 9:17
